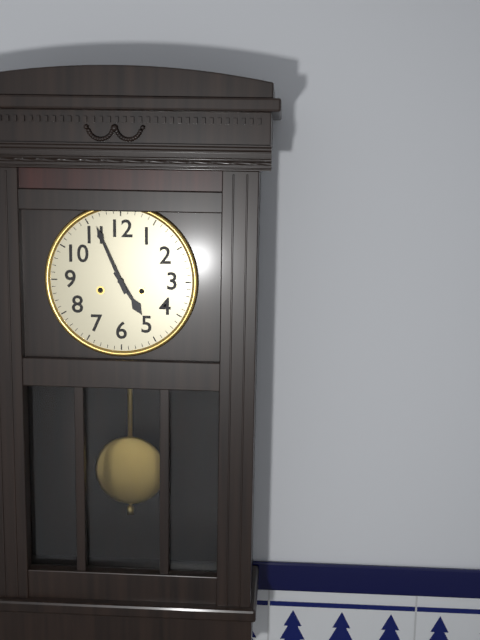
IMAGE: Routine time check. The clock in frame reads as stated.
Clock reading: 4:56
